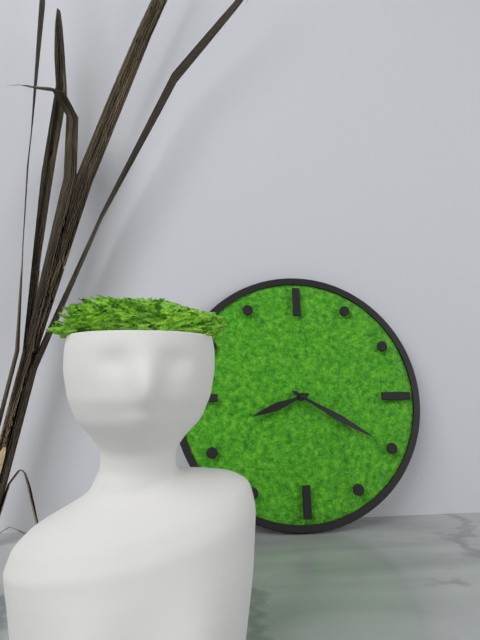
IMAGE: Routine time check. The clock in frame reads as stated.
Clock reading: 8:20
